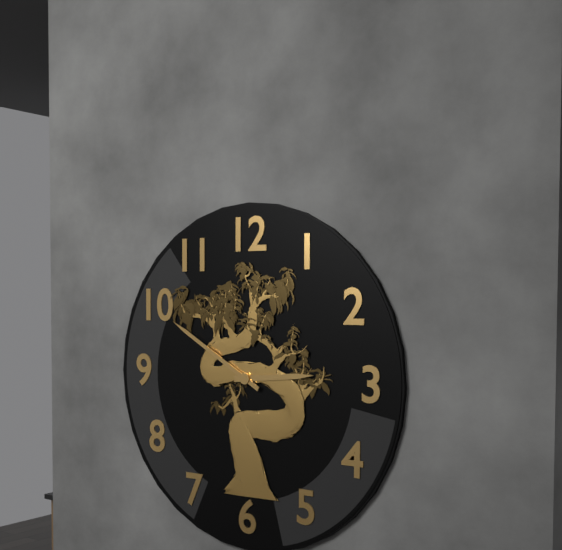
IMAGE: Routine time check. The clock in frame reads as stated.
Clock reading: 2:50
